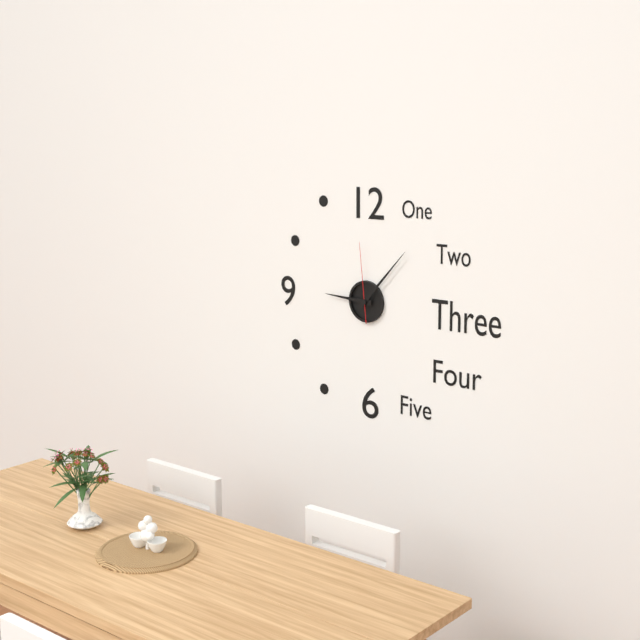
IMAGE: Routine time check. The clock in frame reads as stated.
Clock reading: 9:07:59
